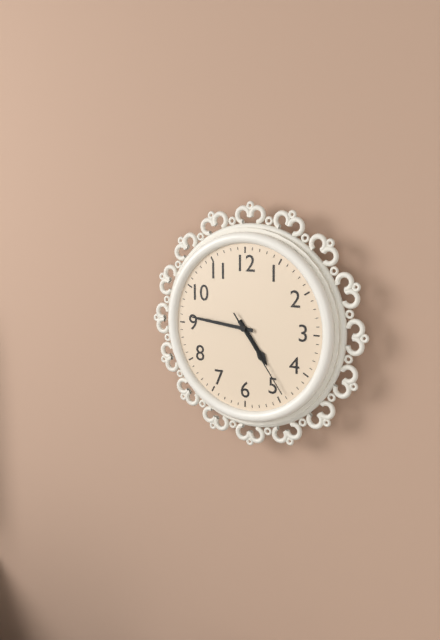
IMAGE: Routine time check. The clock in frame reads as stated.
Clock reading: 4:46:24
